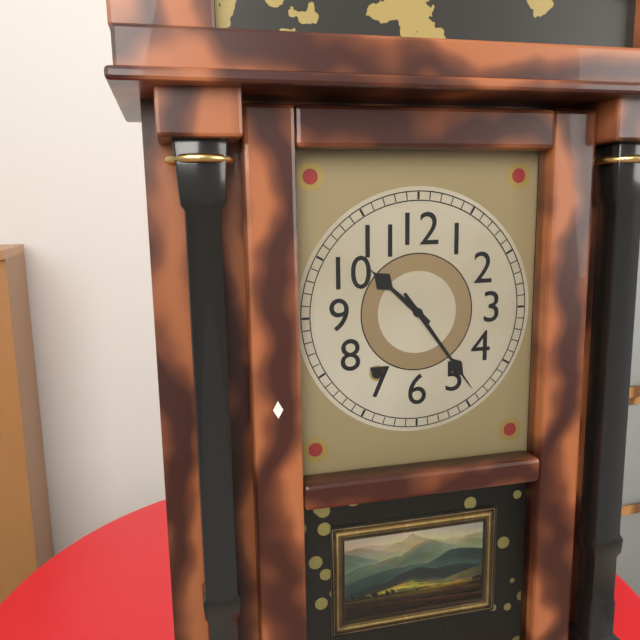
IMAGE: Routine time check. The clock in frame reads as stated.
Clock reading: 10:24
